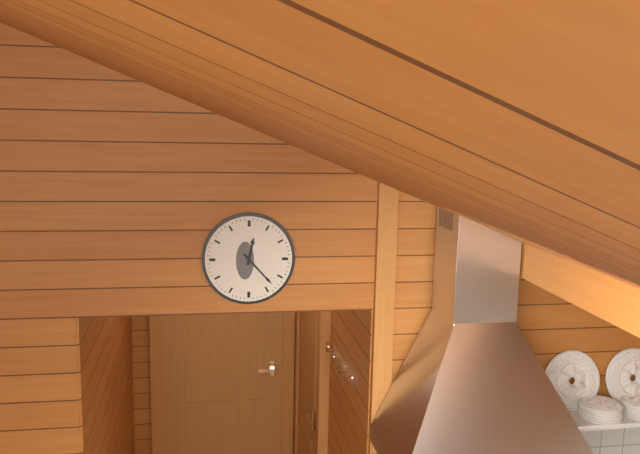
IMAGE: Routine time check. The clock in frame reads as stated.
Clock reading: 12:23
